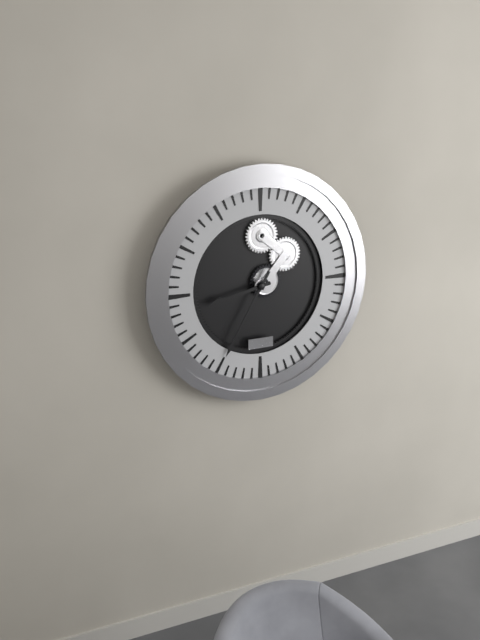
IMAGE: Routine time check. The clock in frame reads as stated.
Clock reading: 8:35
